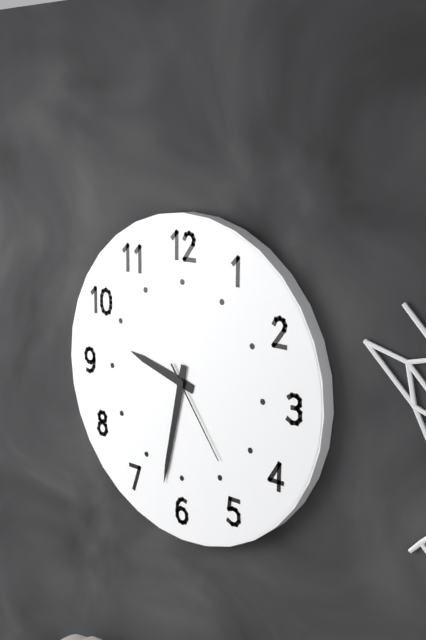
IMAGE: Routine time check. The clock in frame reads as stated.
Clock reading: 9:32:24
